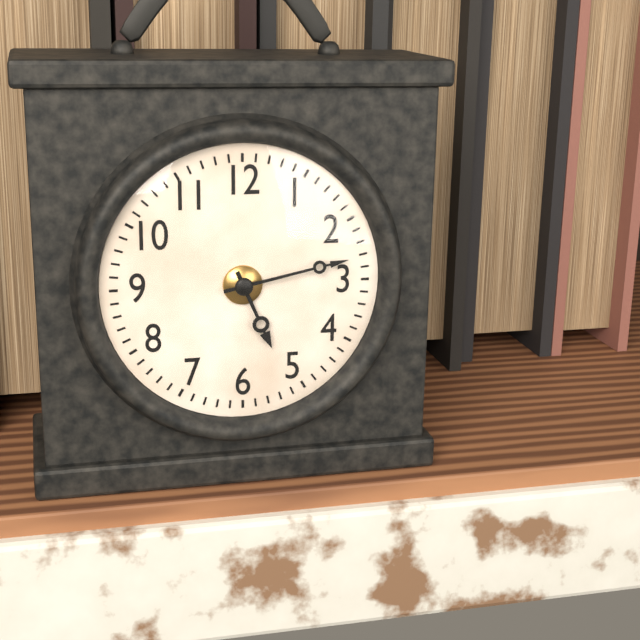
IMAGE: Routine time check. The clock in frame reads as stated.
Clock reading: 5:13
